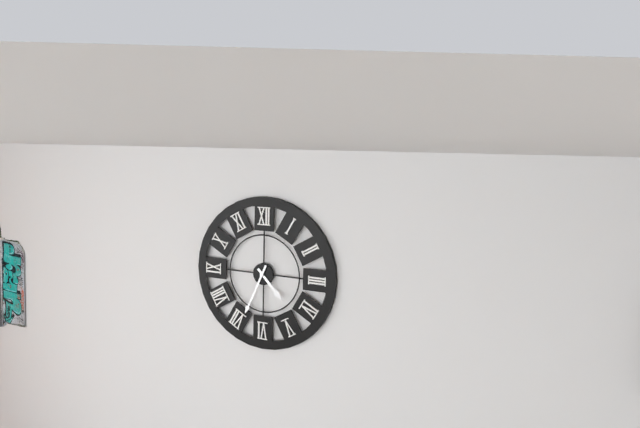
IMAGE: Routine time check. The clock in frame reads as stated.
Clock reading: 4:34
